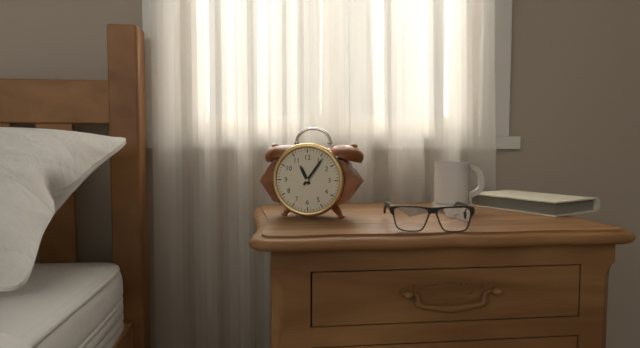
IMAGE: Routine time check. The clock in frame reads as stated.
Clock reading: 11:06
